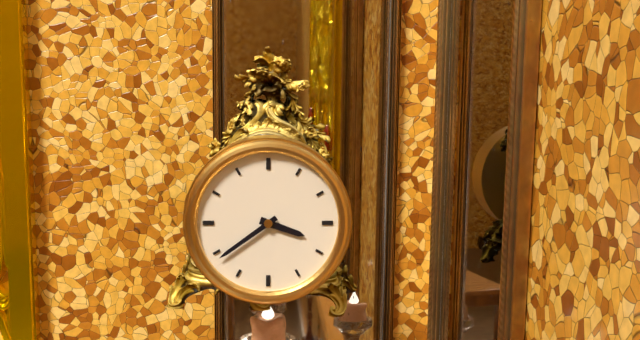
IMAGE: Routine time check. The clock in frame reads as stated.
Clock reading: 3:39
